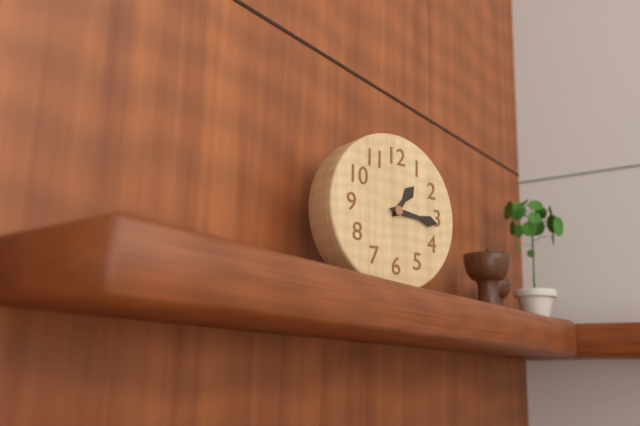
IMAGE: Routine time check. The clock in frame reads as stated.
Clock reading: 1:16
